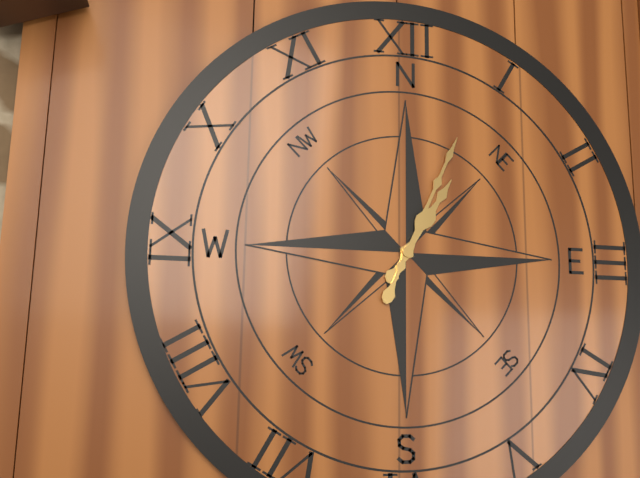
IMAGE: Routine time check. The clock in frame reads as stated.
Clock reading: 1:04
